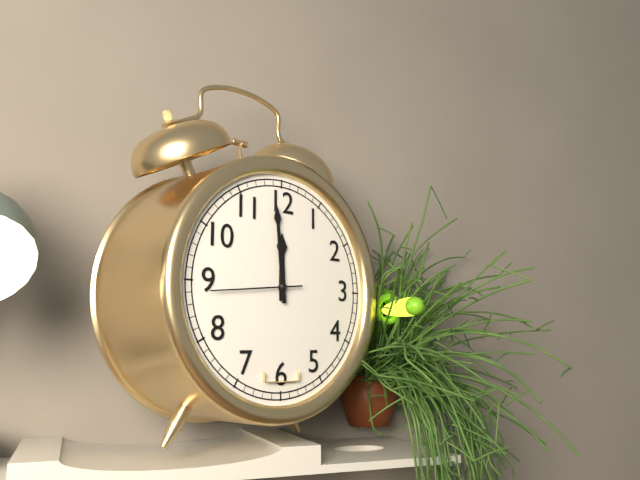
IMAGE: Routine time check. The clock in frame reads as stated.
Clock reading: 11:59:44
